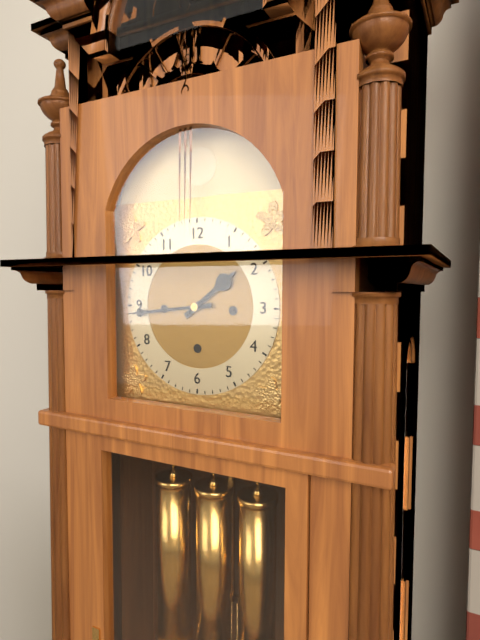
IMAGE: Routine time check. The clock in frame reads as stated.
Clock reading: 1:44
